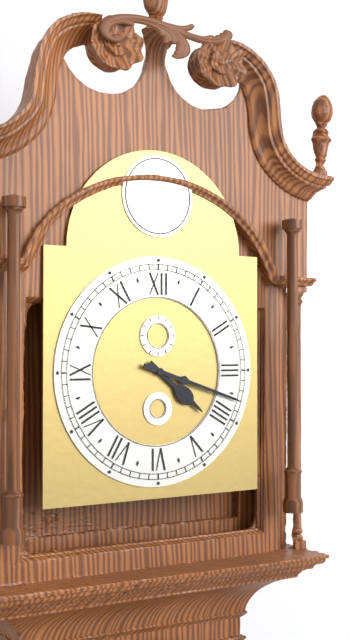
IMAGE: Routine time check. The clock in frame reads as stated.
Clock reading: 4:18
